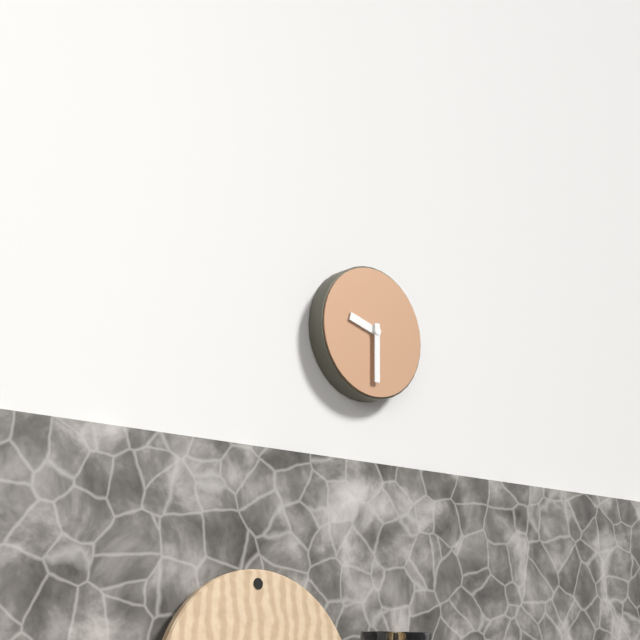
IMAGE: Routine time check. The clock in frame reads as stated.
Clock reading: 9:30
